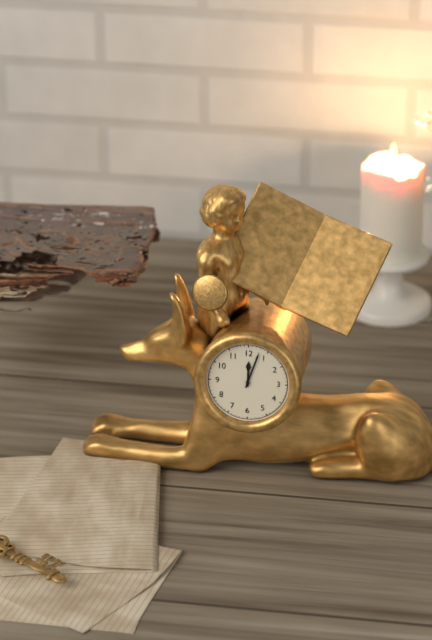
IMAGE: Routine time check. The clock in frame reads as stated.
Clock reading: 12:03
